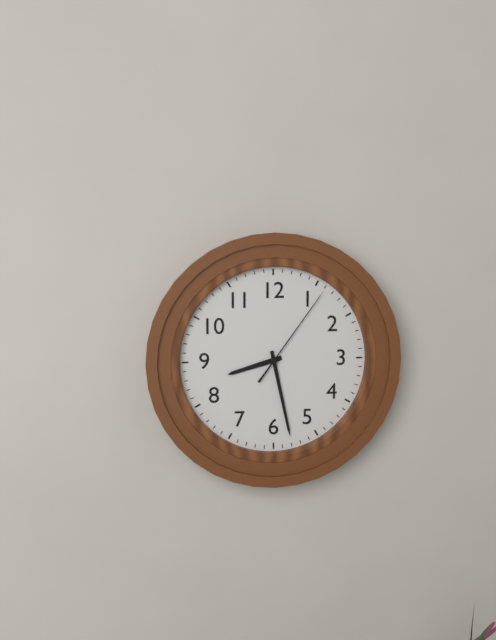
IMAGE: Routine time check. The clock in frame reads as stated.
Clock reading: 8:28:06
